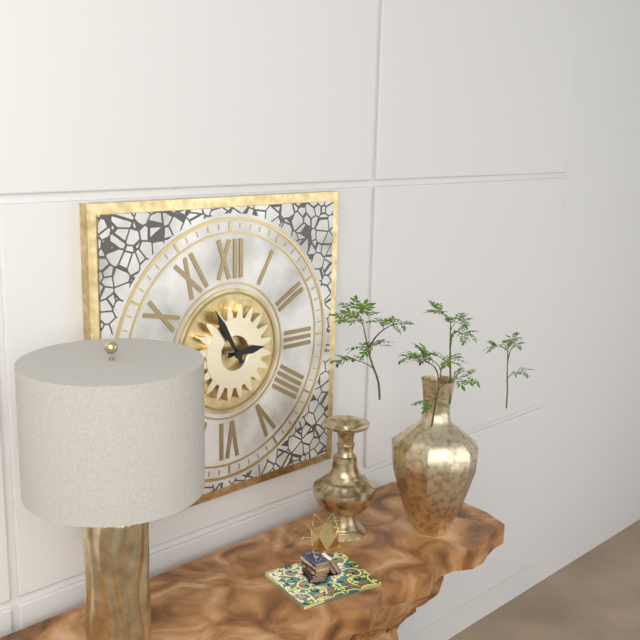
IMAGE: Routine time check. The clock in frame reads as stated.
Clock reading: 2:55
